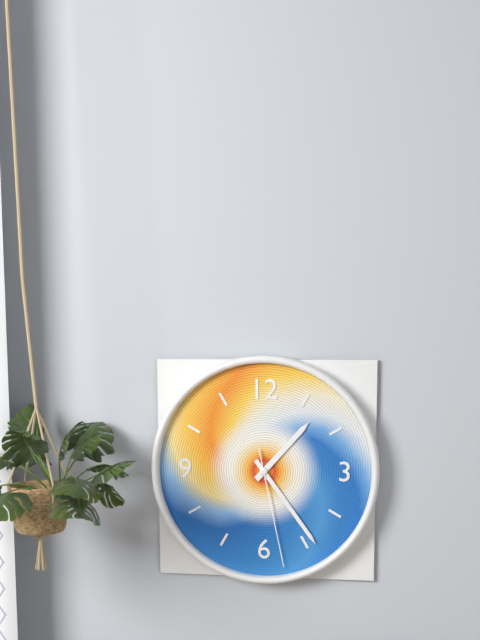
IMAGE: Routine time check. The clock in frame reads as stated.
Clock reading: 1:24:28
